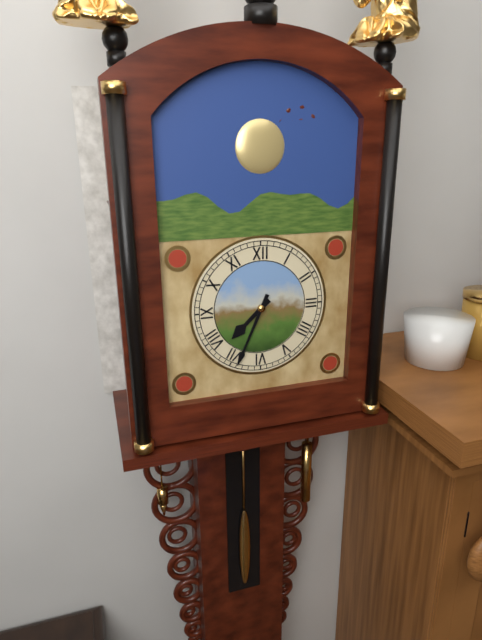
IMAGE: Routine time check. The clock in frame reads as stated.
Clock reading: 7:34
